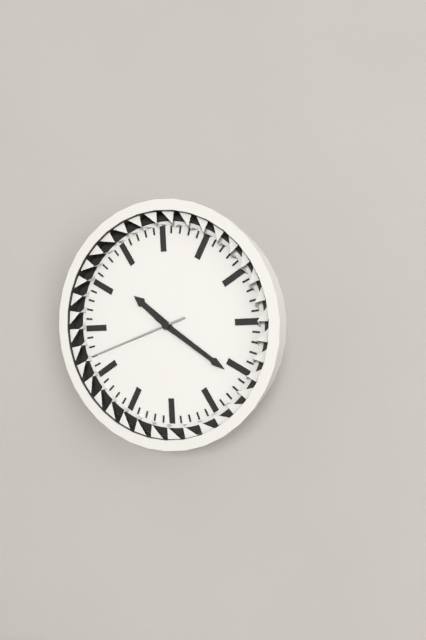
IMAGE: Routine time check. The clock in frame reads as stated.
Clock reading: 10:21:42
